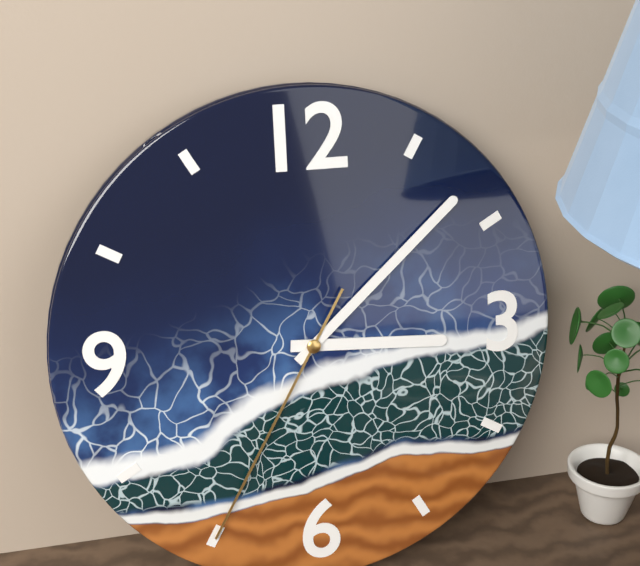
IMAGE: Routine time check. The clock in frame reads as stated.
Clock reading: 3:08:35
